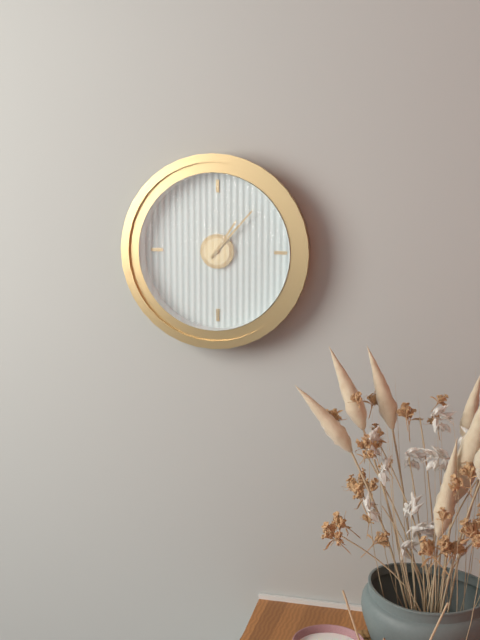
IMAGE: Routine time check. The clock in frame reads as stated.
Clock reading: 1:07
